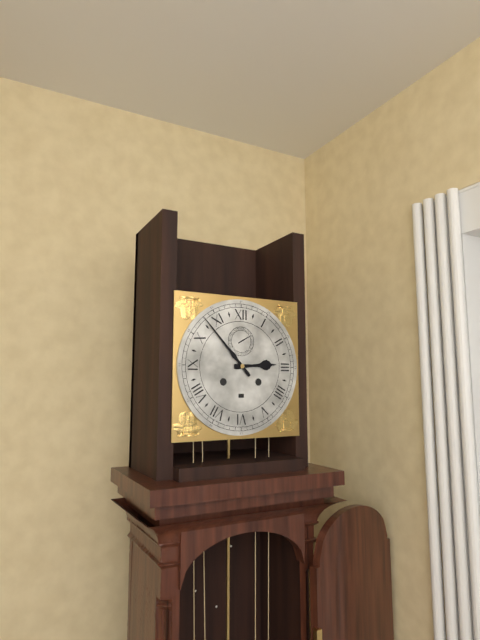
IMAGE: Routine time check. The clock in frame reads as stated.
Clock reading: 2:53
